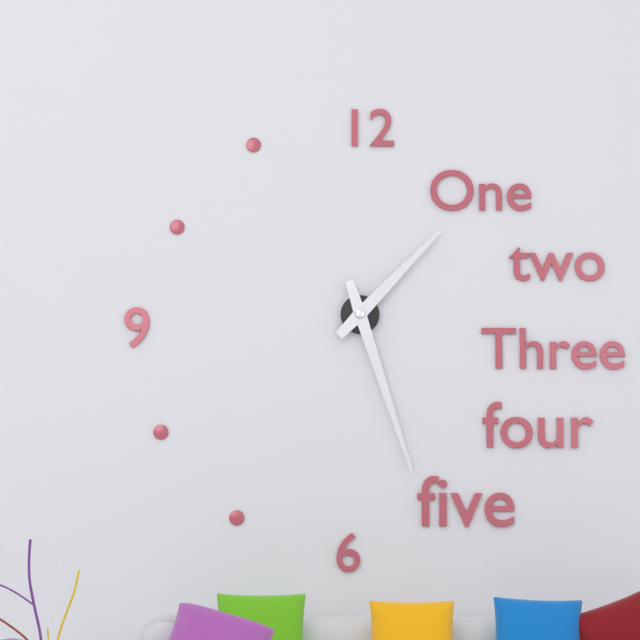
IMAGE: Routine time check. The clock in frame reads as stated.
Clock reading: 1:27
